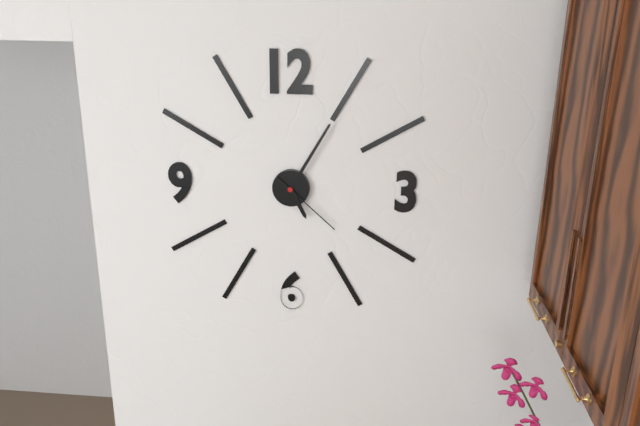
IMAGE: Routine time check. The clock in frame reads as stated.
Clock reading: 5:05:22
